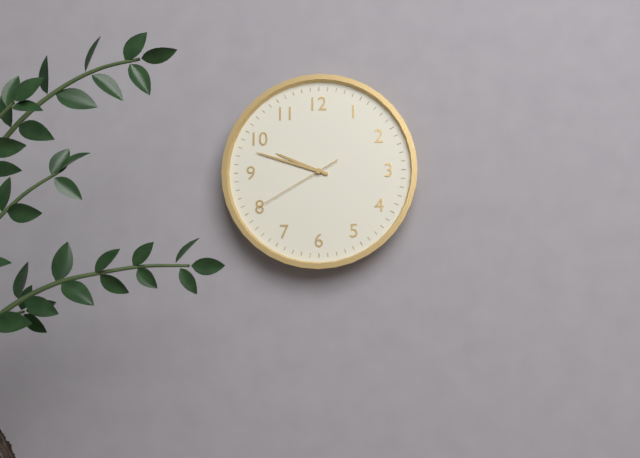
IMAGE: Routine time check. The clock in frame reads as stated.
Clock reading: 9:48:40
